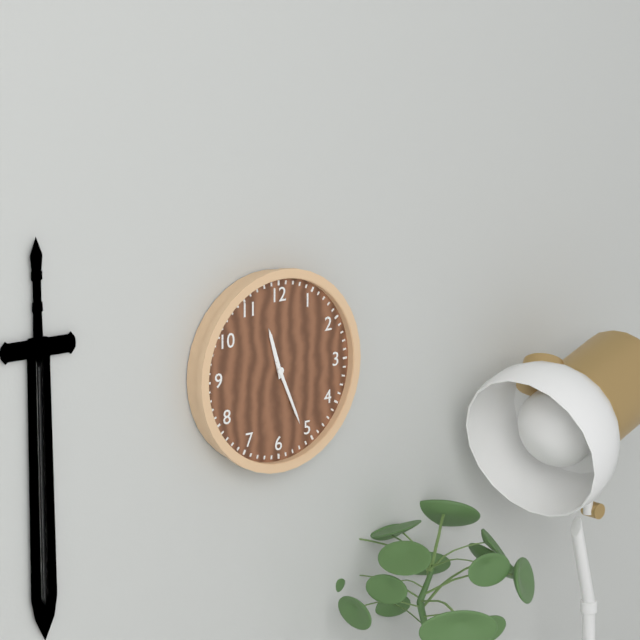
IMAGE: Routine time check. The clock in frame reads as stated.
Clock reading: 11:26
